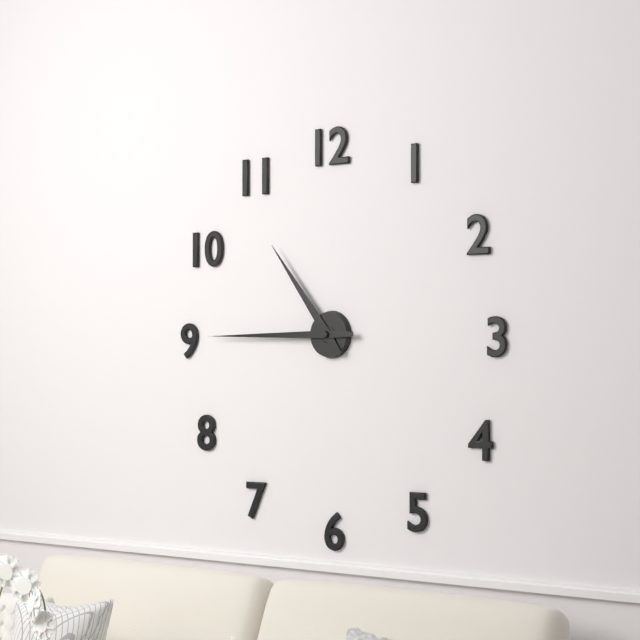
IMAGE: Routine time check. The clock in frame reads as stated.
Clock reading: 10:45
